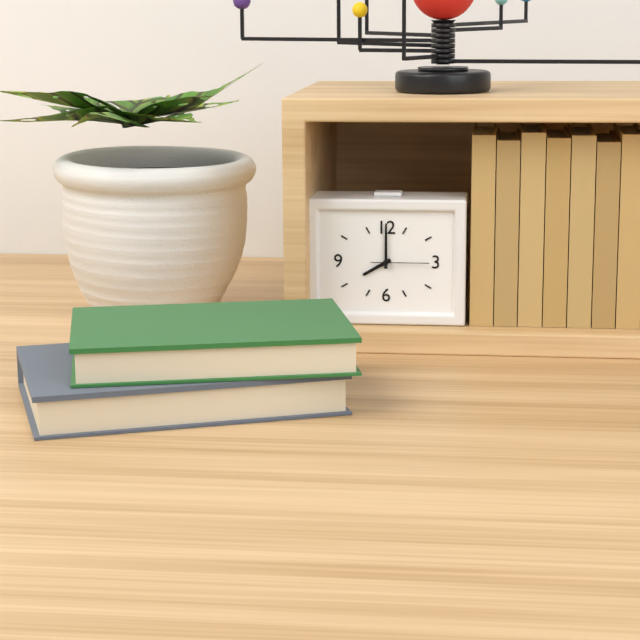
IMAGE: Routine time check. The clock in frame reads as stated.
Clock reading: 8:00:15
